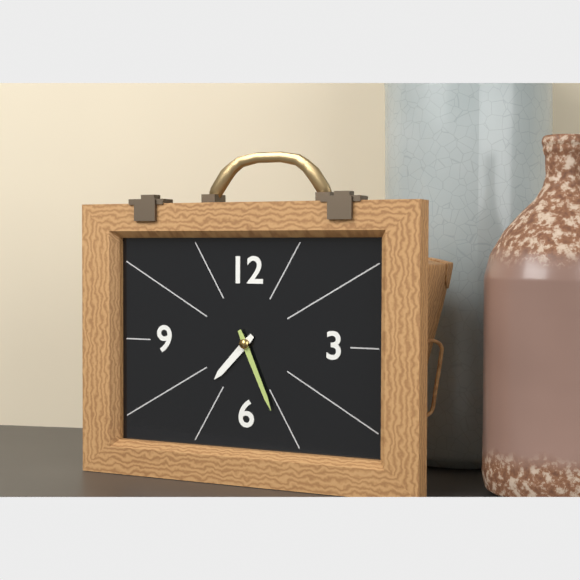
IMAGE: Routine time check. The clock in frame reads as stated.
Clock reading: 7:26
